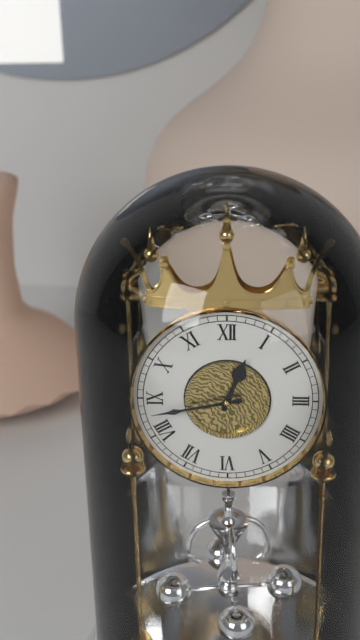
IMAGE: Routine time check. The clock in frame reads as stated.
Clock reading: 12:43
